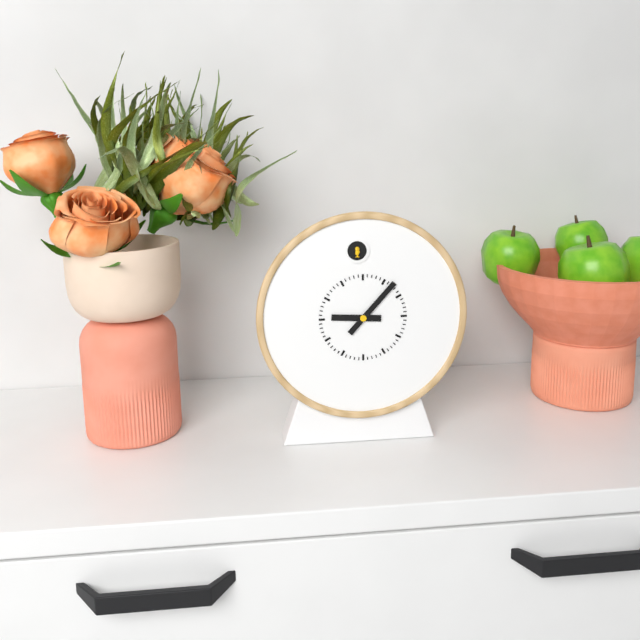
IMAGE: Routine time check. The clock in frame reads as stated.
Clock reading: 9:07
